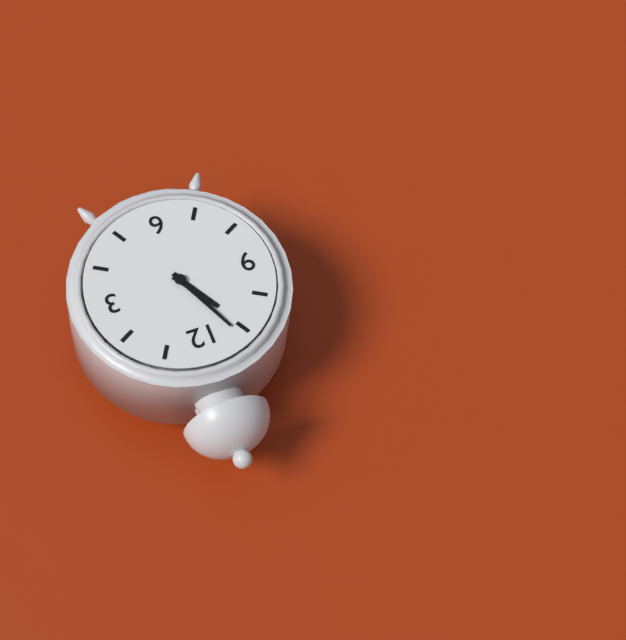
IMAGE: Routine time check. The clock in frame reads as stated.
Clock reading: 10:56
